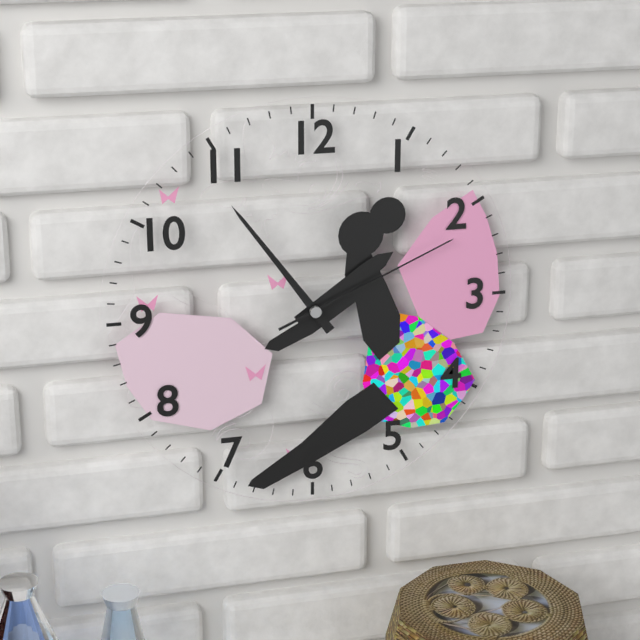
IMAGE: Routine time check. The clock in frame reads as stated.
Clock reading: 1:54:11
